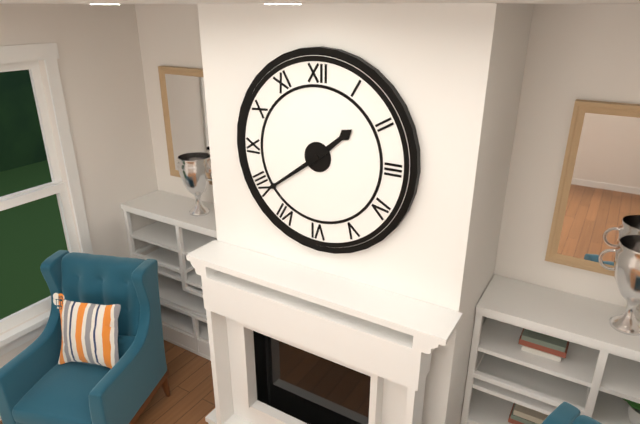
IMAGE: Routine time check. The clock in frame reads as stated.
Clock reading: 1:39
